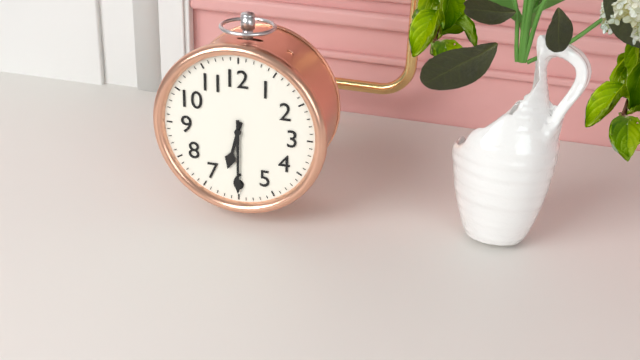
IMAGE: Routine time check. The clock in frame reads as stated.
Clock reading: 6:30
